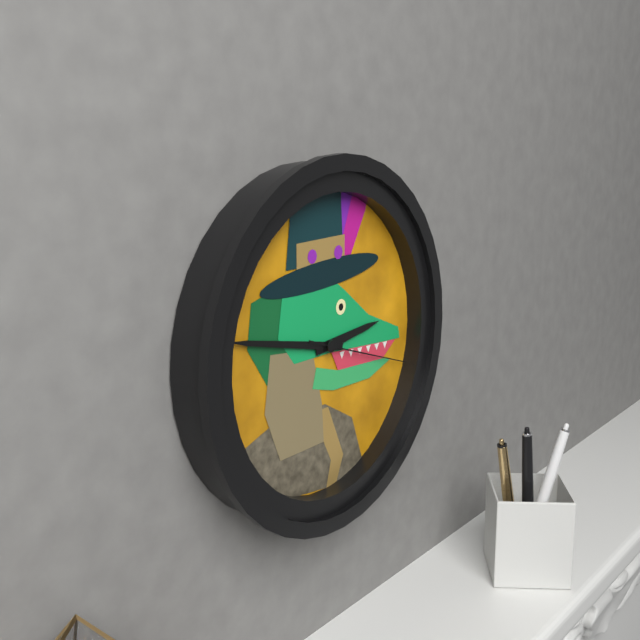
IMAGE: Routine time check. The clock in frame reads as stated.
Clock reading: 2:47:18
